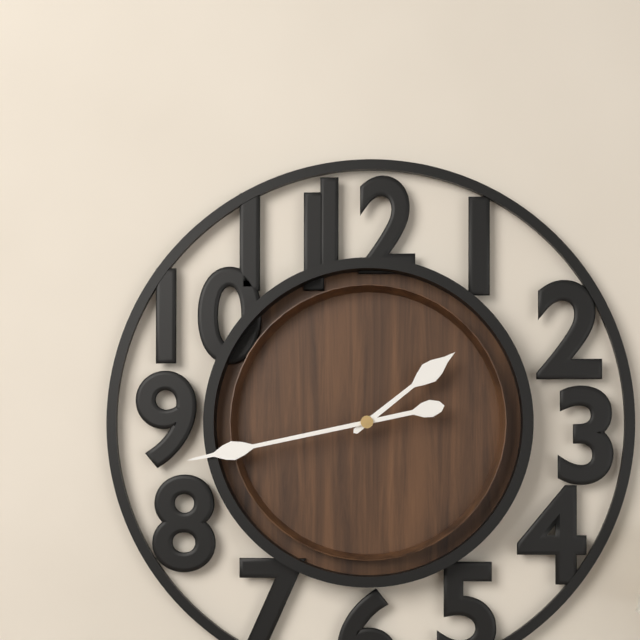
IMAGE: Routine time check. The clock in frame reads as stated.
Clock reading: 1:43
